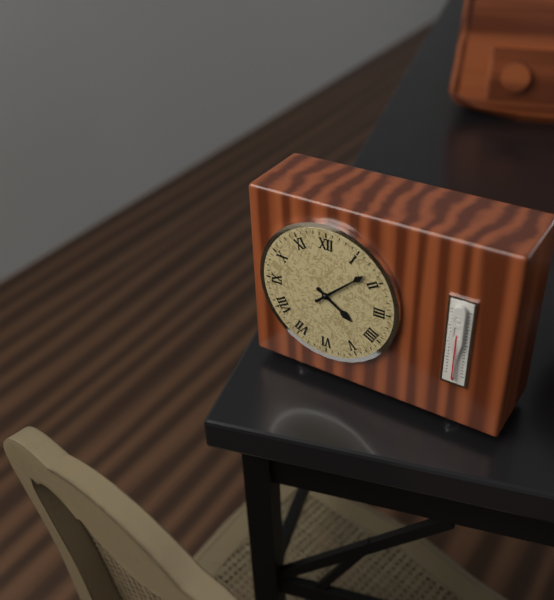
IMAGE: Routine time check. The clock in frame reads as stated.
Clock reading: 4:08
